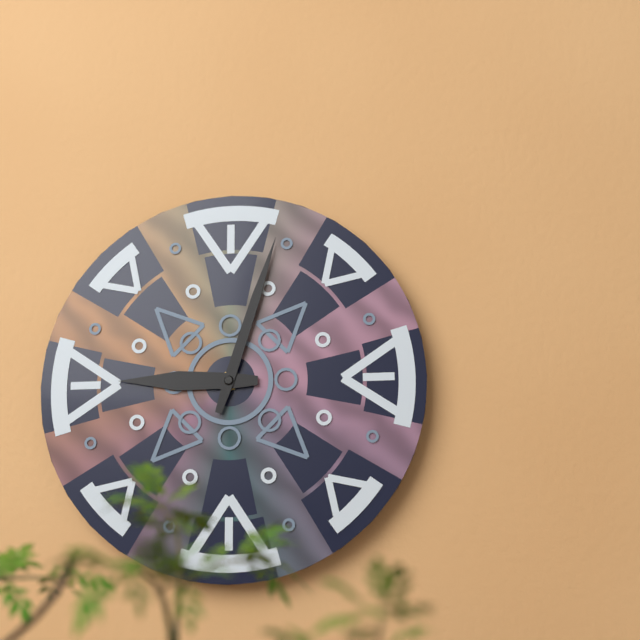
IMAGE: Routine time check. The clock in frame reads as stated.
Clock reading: 9:03
